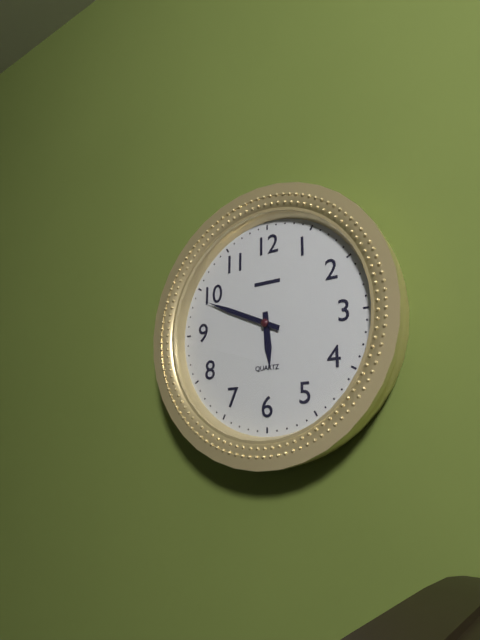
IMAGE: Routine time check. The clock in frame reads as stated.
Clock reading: 5:49
